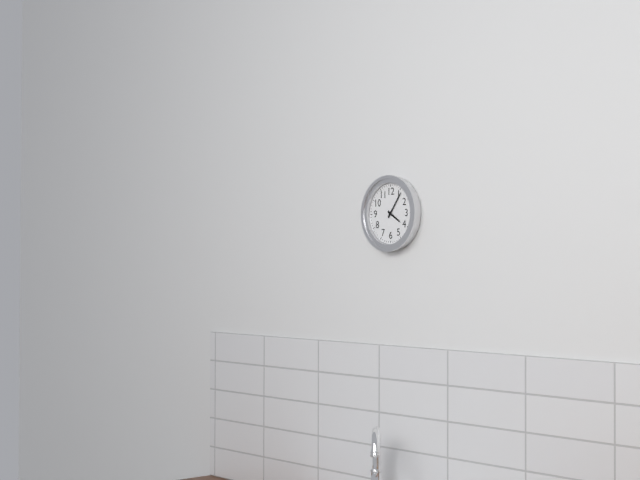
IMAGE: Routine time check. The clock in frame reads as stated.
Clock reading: 4:06
